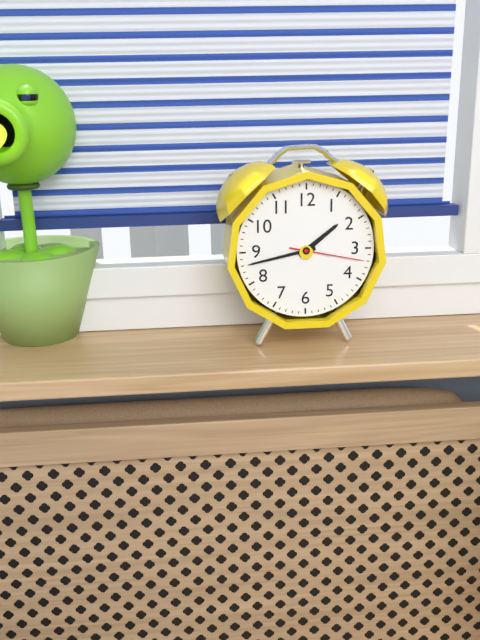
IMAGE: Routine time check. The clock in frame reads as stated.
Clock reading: 1:43:17
